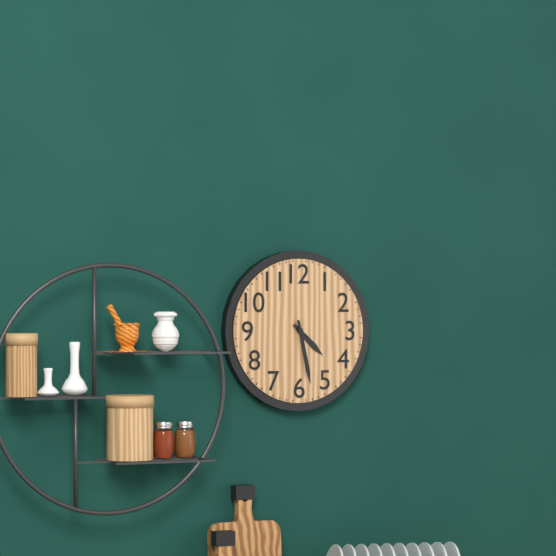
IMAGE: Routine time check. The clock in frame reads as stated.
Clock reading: 4:28
